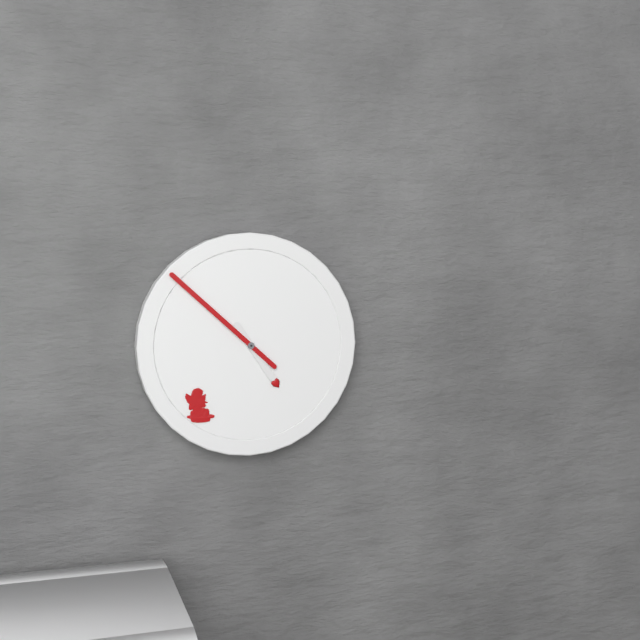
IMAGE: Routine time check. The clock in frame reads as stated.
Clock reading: 4:52
